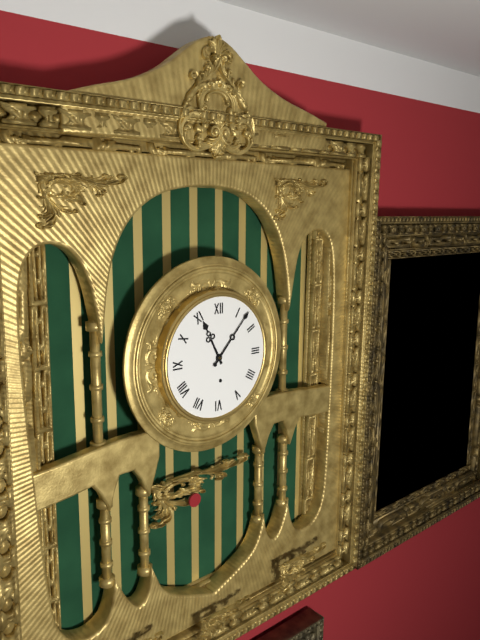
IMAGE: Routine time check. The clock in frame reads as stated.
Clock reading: 11:07
